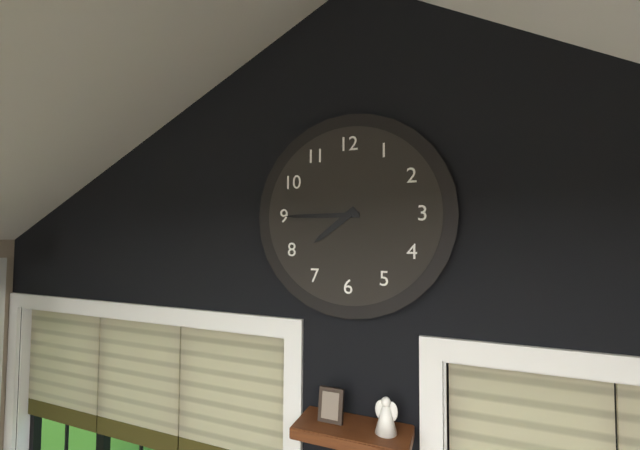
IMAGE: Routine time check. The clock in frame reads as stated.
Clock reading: 7:45
